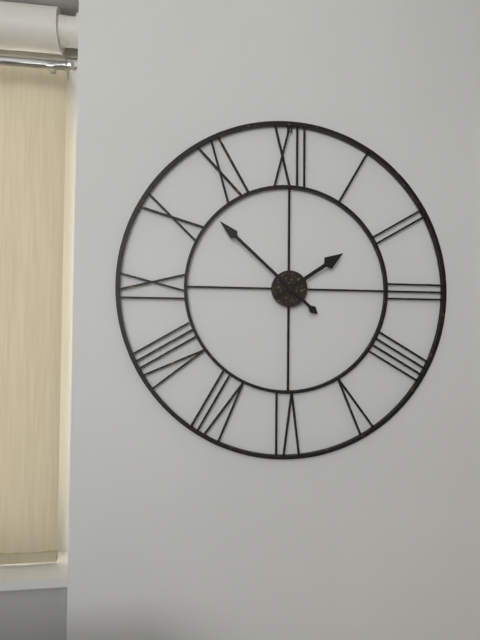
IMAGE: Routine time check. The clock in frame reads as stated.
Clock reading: 1:52
